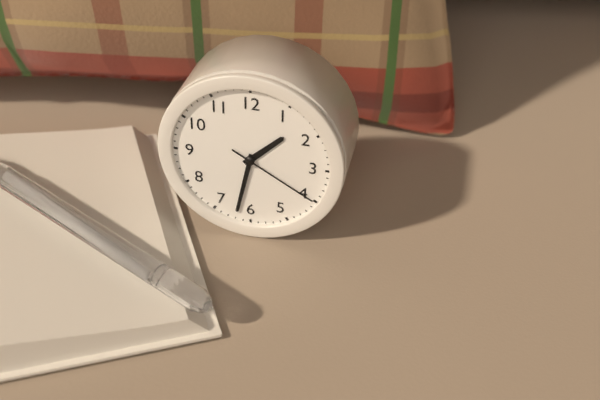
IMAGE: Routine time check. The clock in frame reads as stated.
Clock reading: 1:32:20
